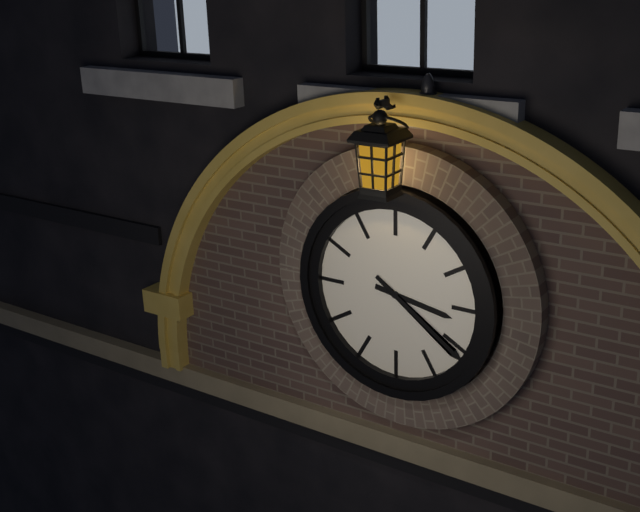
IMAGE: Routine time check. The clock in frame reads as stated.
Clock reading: 3:21
